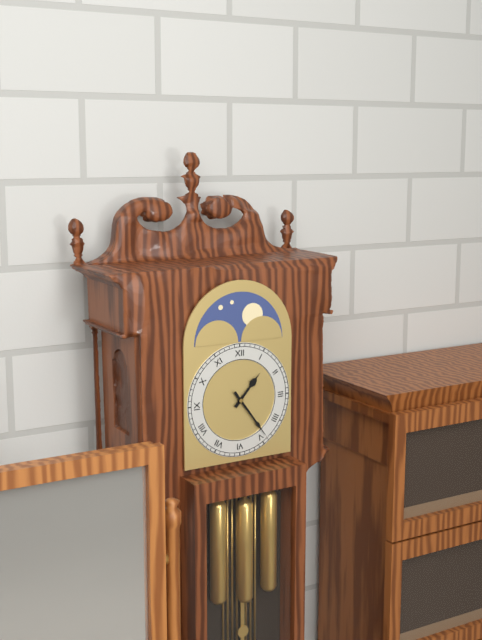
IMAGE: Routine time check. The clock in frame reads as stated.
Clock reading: 1:24
